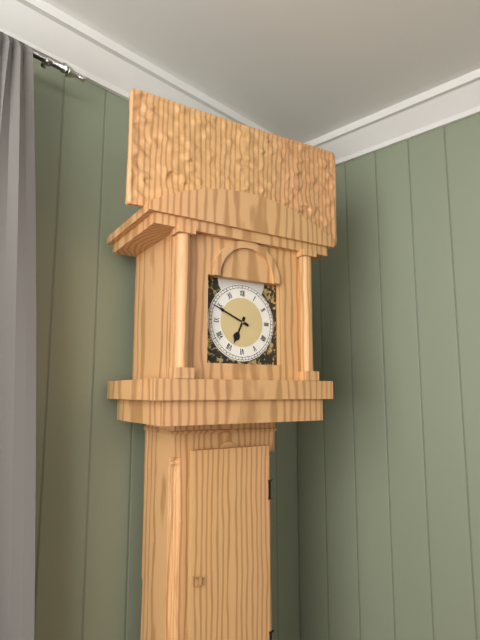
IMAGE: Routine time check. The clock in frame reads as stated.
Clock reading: 6:49
